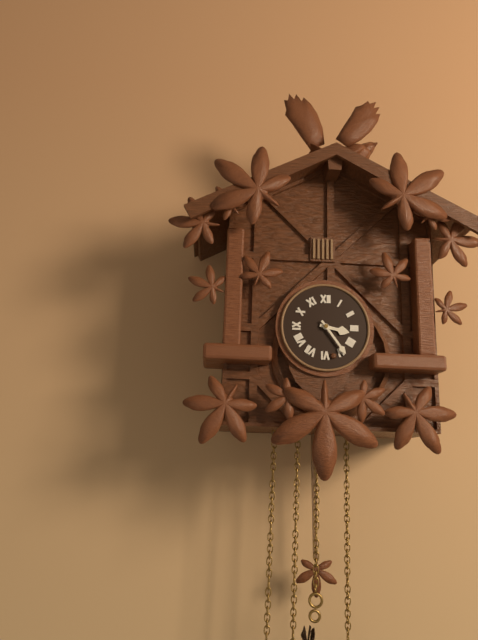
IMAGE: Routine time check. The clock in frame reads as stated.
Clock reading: 3:24
